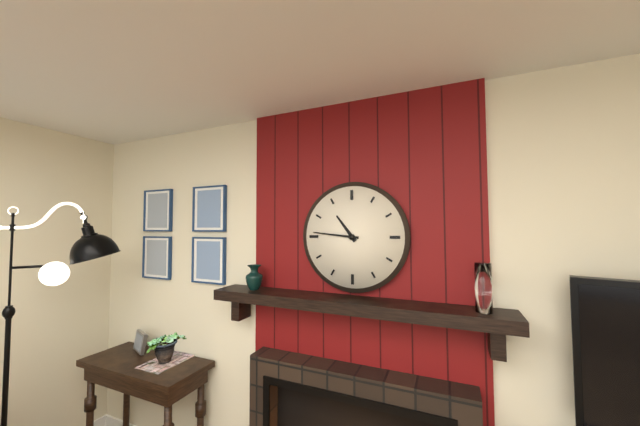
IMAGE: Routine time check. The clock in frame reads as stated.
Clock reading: 10:46
